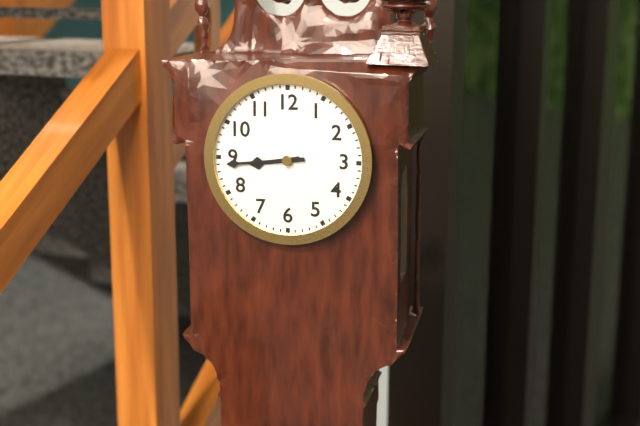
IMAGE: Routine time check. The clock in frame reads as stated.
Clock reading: 8:44
